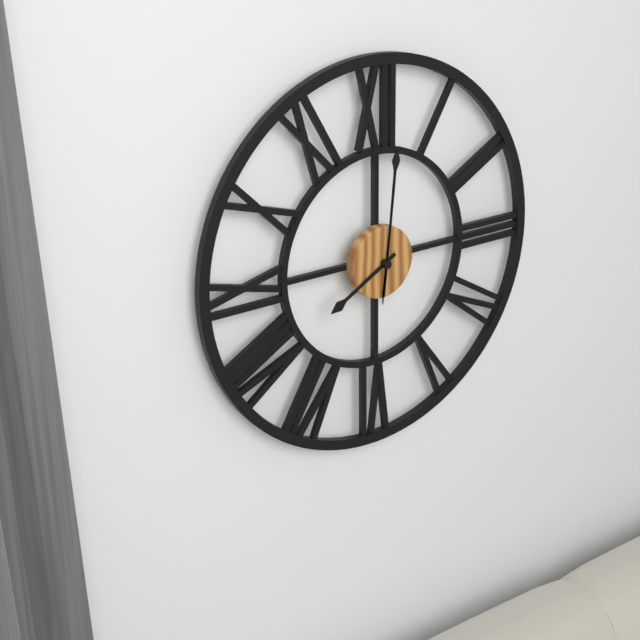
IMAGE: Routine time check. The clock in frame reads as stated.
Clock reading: 8:01
